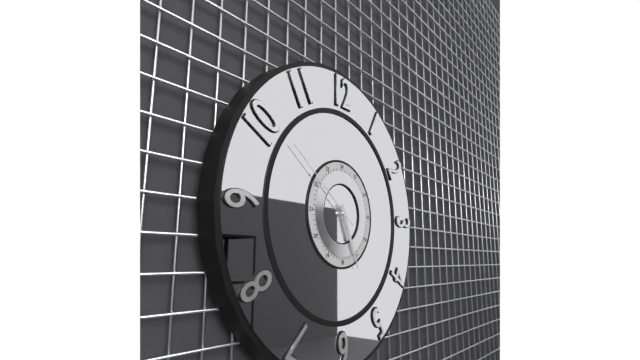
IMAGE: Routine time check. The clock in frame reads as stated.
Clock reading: 5:26:51
